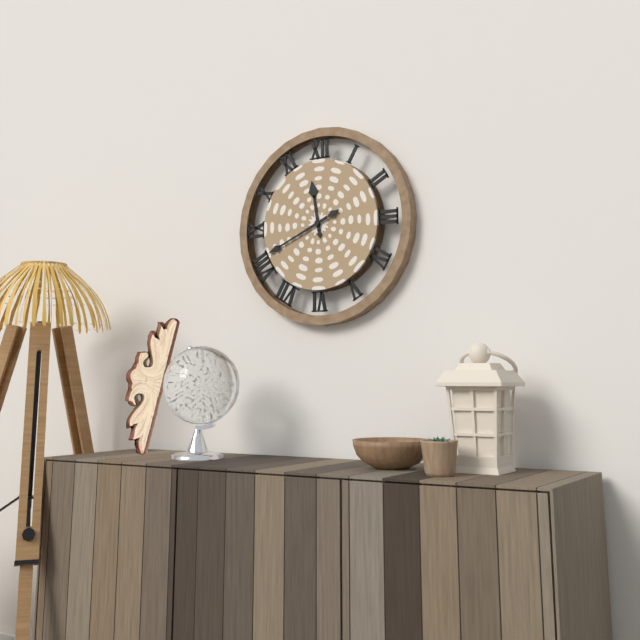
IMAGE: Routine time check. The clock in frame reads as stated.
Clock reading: 11:41
